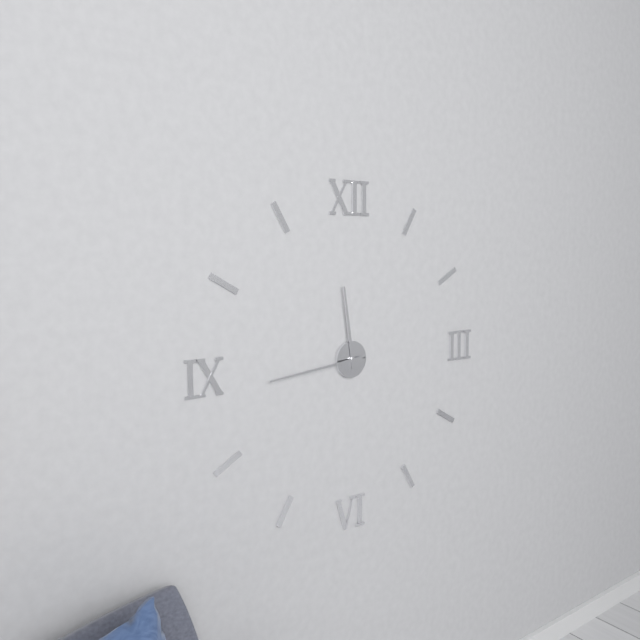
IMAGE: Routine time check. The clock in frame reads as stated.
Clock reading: 11:44
